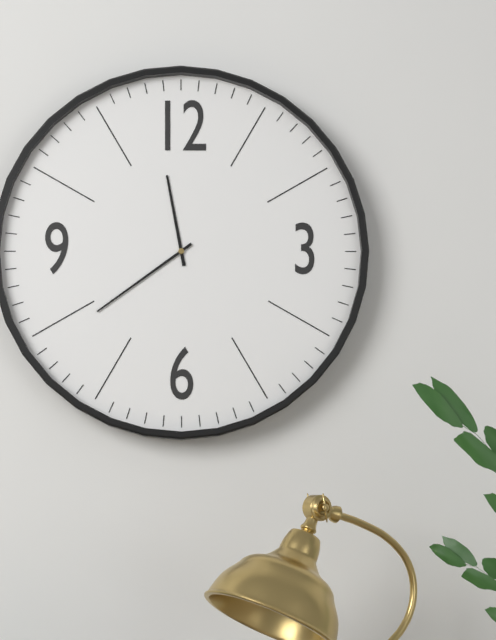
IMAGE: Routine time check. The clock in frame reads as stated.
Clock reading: 11:39
